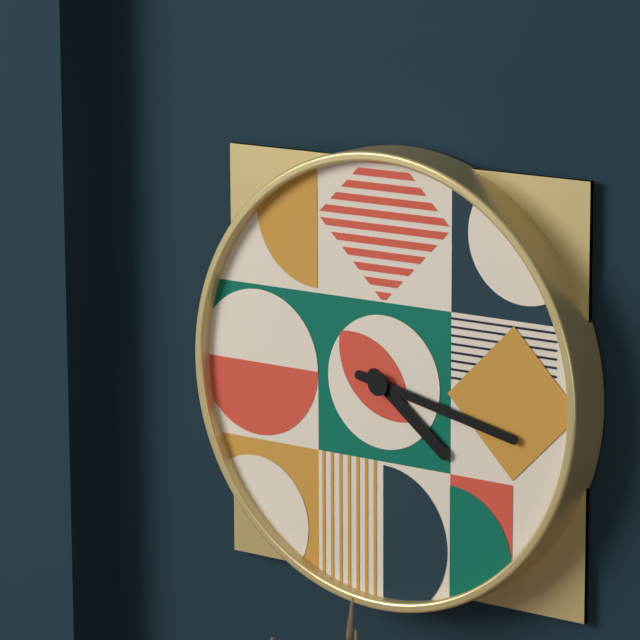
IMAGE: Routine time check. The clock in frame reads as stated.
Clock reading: 4:17
